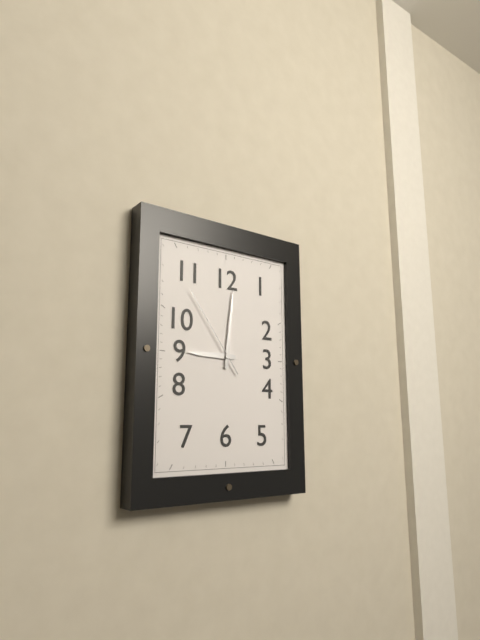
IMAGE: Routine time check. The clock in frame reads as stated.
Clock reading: 9:01:54
